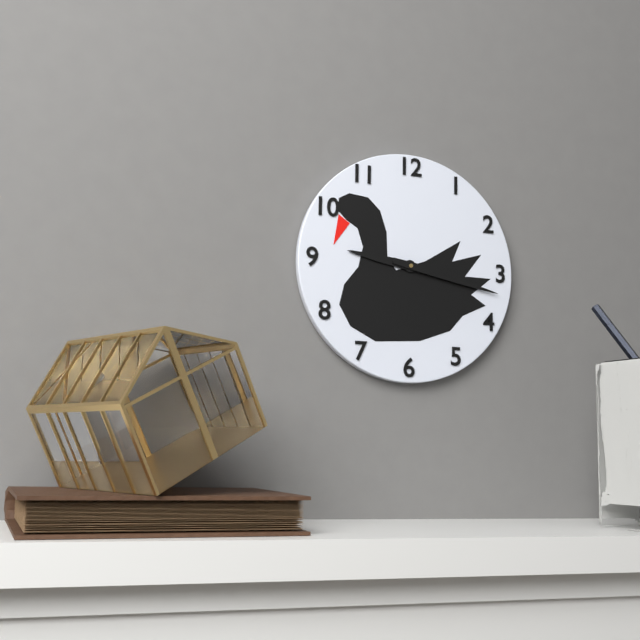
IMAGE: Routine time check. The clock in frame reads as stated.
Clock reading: 9:17
